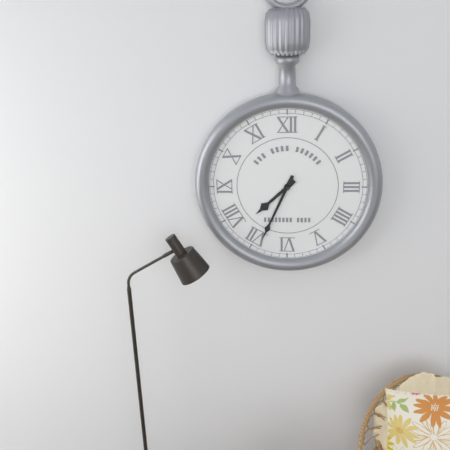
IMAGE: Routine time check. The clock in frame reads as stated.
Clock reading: 7:34
